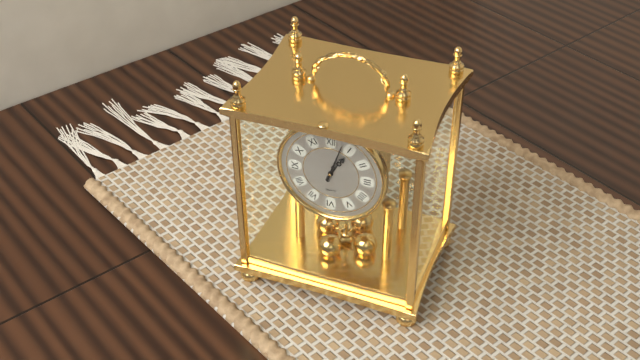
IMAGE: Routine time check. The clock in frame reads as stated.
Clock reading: 1:03
